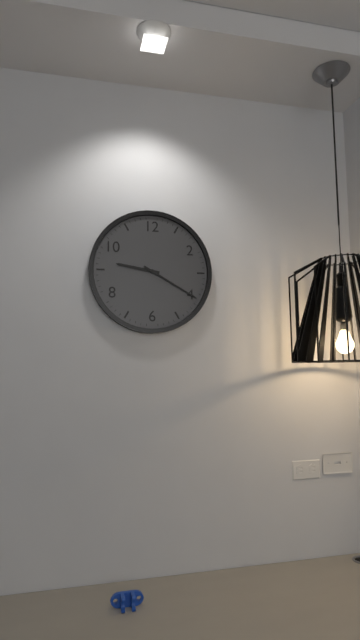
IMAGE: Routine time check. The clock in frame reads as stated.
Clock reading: 9:20
